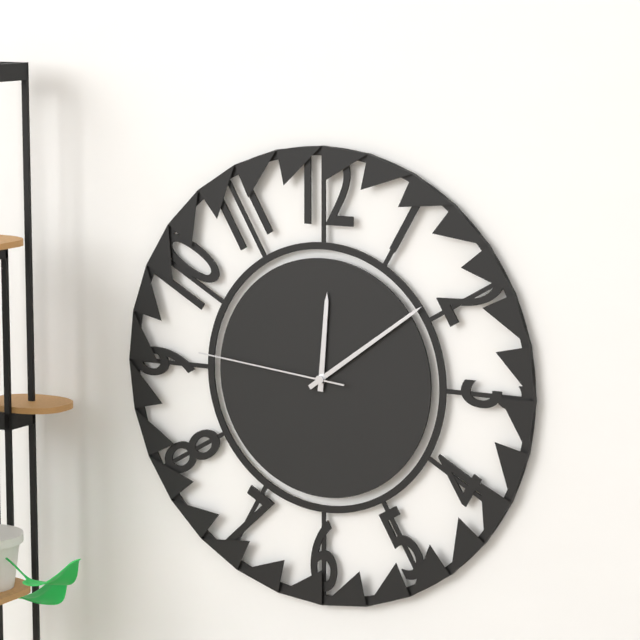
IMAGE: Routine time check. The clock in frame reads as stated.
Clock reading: 12:09:46
